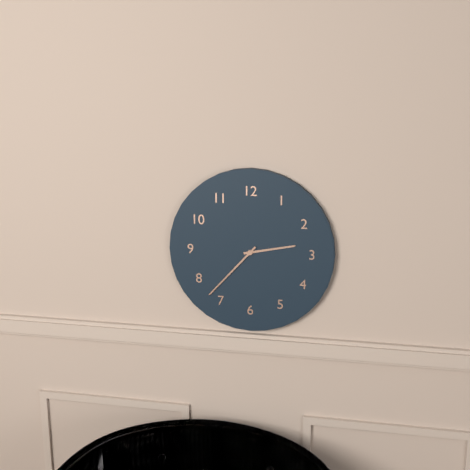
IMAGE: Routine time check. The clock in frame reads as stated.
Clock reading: 2:37
